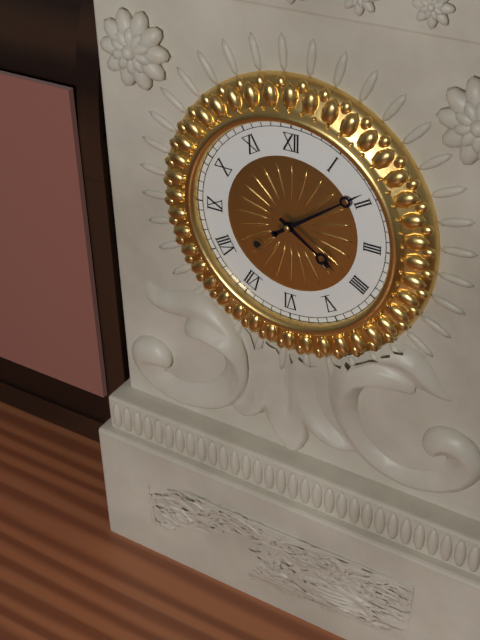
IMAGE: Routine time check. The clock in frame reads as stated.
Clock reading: 4:09
